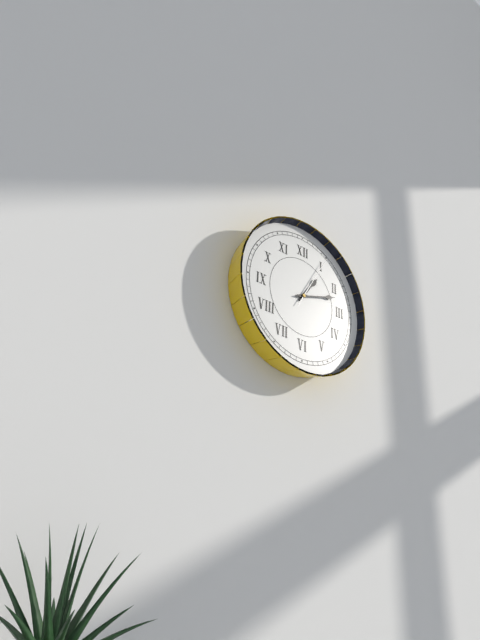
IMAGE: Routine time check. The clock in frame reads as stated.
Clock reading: 1:12:05
